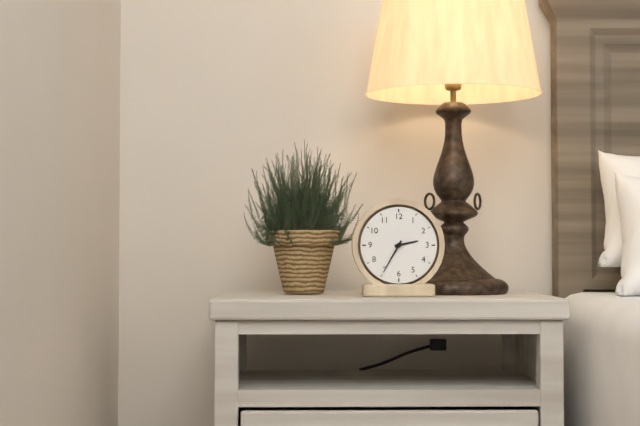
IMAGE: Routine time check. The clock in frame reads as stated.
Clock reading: 2:35
